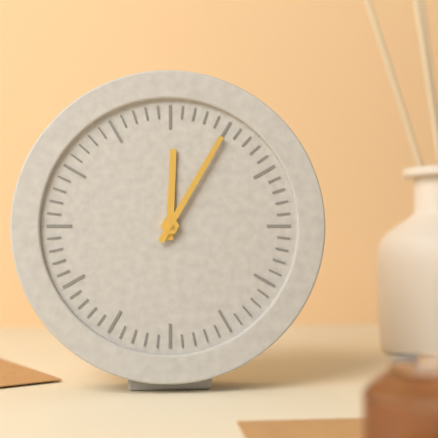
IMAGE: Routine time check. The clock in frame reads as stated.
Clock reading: 12:05
